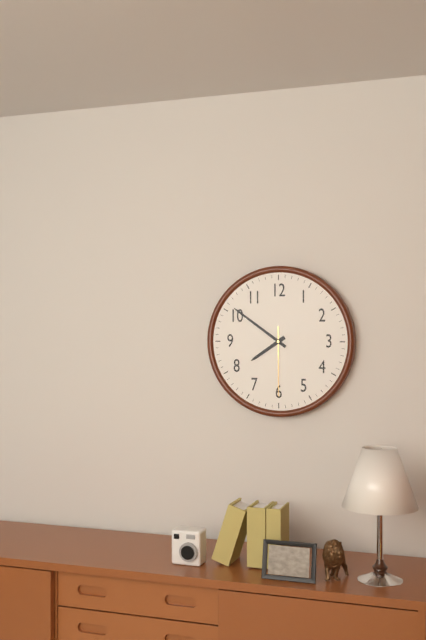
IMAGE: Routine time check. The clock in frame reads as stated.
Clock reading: 7:51:30
